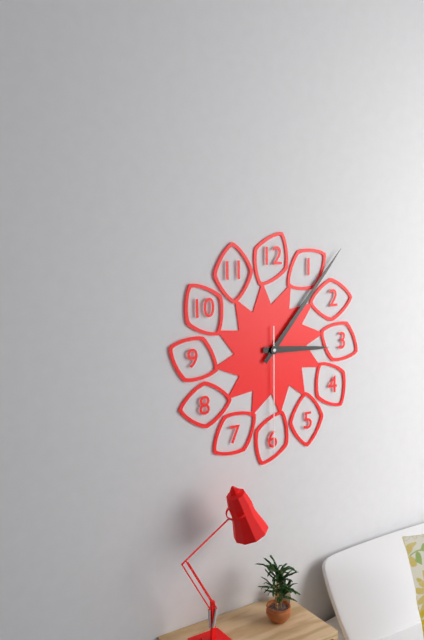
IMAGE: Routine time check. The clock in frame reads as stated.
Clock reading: 3:07:30
